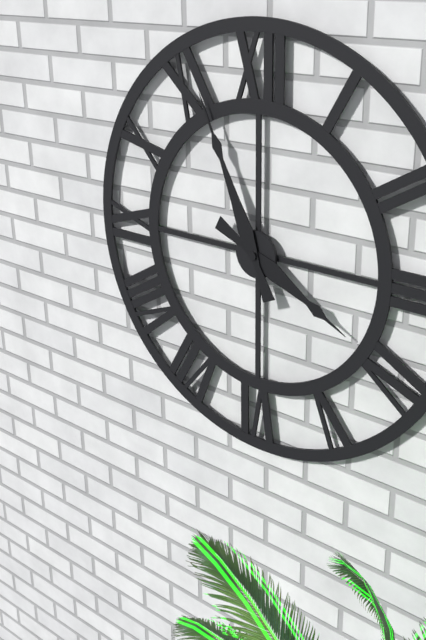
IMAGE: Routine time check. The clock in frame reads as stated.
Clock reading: 3:56
